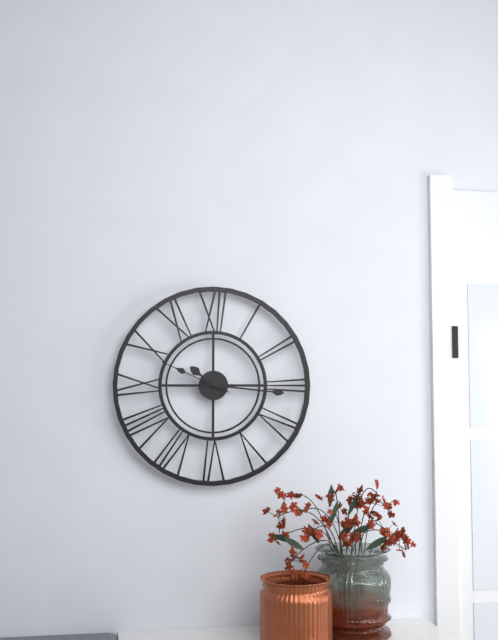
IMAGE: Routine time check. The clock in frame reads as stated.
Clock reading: 10:16:49
